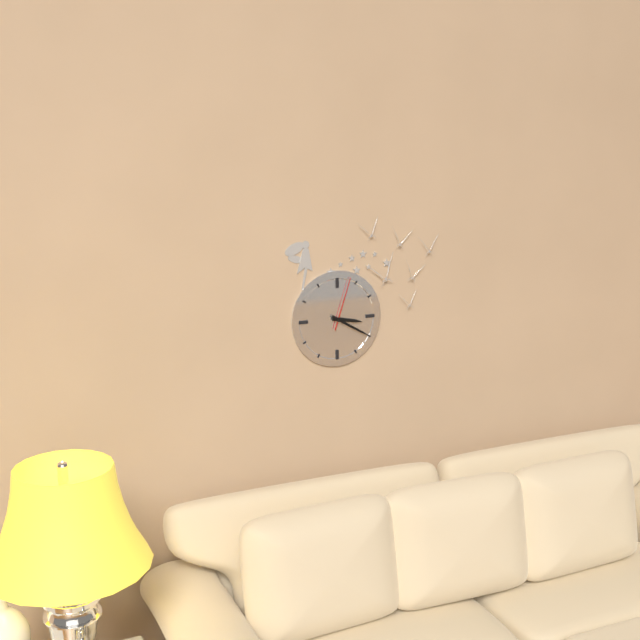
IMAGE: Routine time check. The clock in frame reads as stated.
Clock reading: 3:20:03
